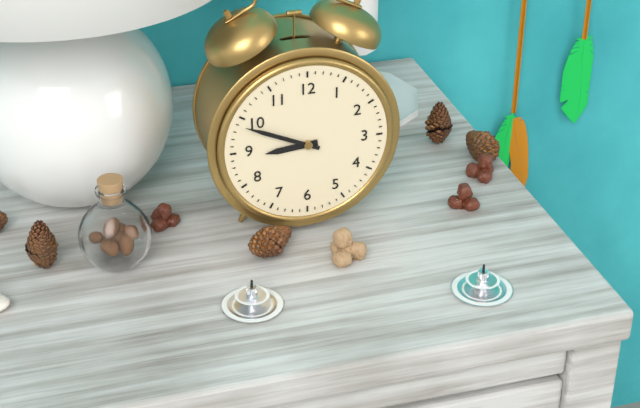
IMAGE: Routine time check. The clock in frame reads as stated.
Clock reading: 8:49
